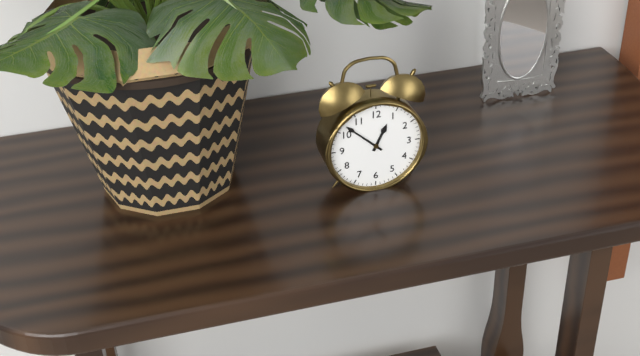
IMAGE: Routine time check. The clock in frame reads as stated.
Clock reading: 12:52
